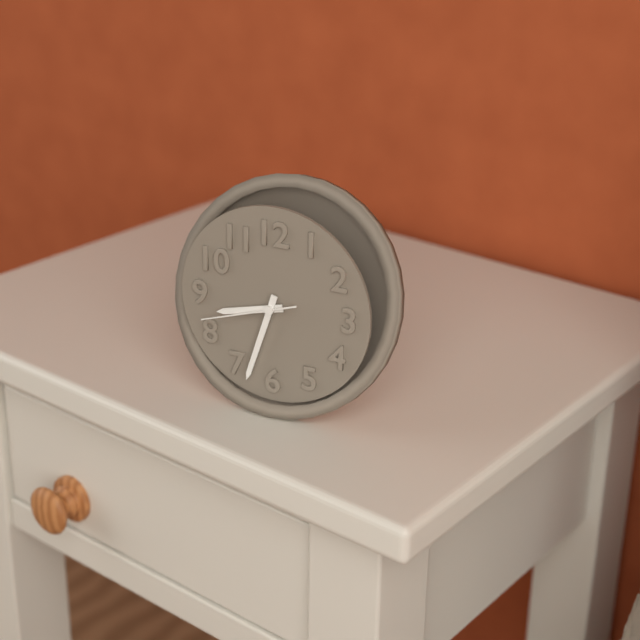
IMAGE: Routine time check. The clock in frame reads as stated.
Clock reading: 8:33:42
